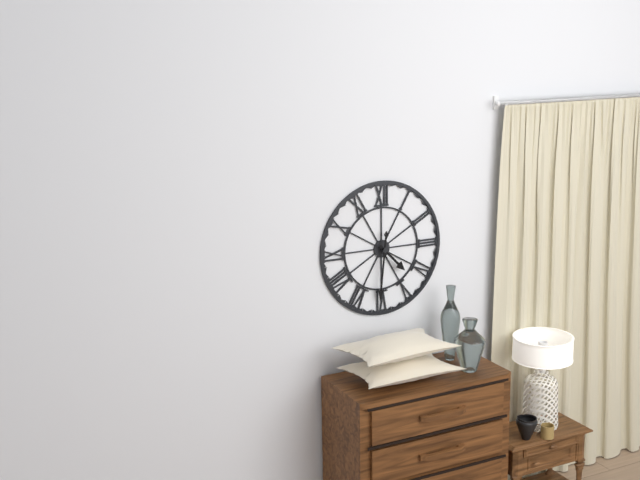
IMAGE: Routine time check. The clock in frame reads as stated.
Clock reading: 4:31
